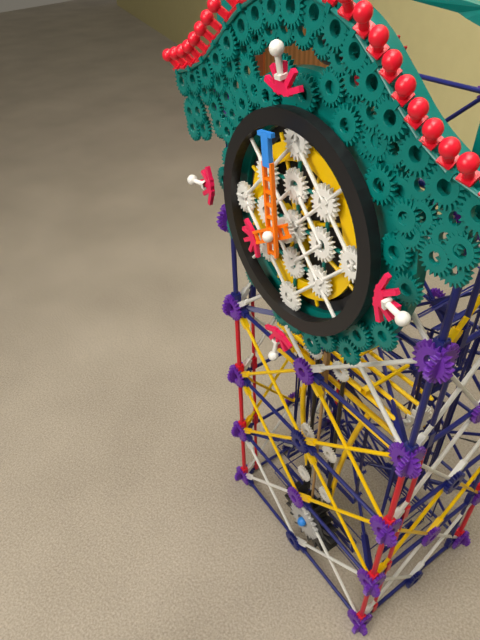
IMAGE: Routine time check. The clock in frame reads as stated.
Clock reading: 7:59
